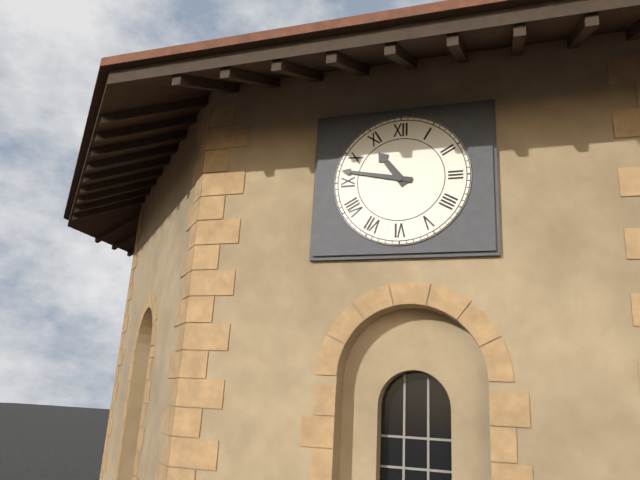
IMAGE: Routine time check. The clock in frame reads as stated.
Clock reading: 10:47
